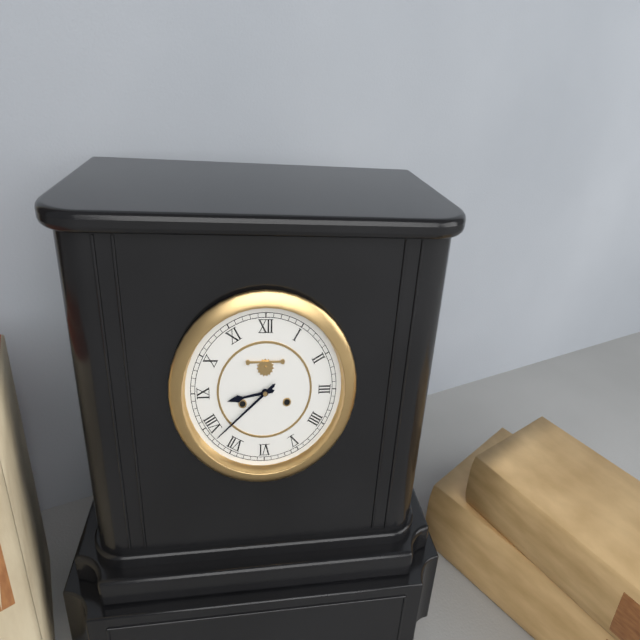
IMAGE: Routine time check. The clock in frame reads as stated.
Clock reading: 8:38
